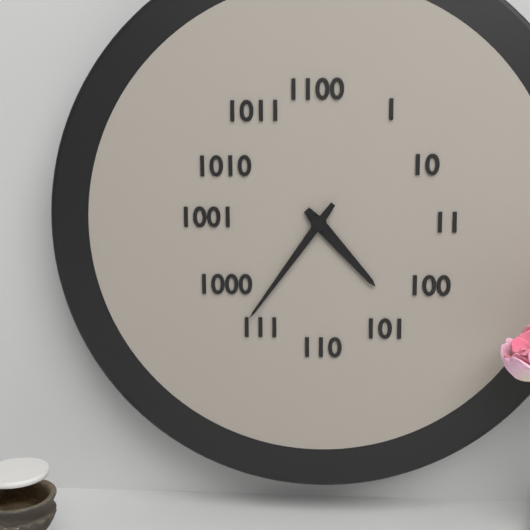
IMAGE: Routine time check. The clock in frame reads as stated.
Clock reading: 4:36
